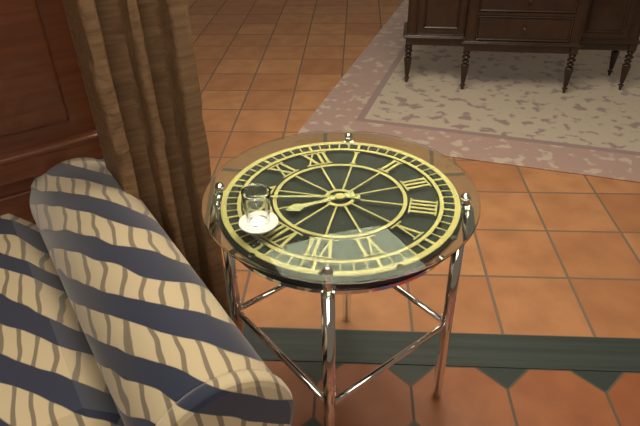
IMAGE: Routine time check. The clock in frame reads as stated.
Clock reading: 8:48
